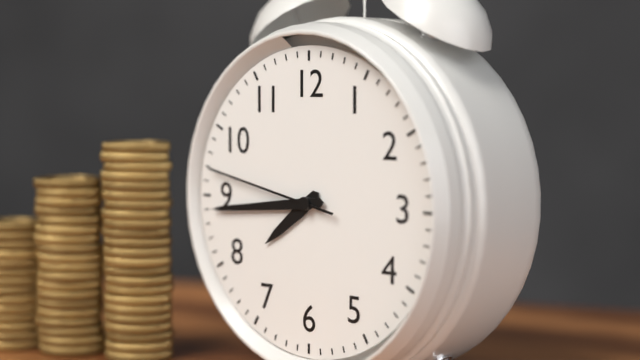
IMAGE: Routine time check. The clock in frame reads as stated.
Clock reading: 7:44:47
